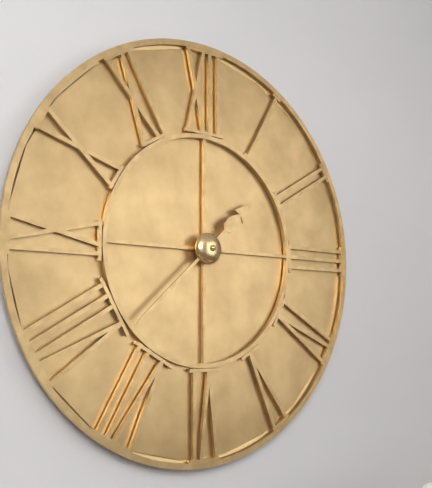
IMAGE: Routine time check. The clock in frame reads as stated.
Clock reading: 1:38
